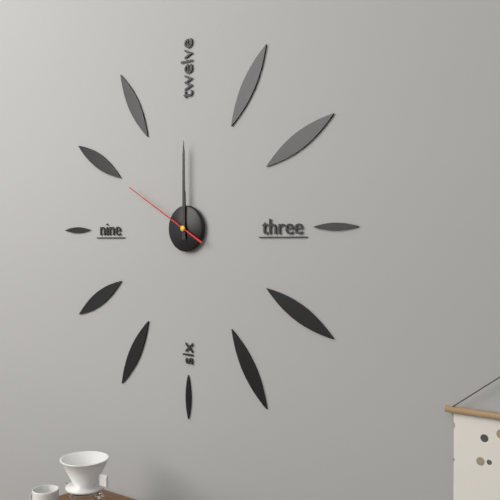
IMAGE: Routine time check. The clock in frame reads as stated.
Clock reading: 12:00:50
